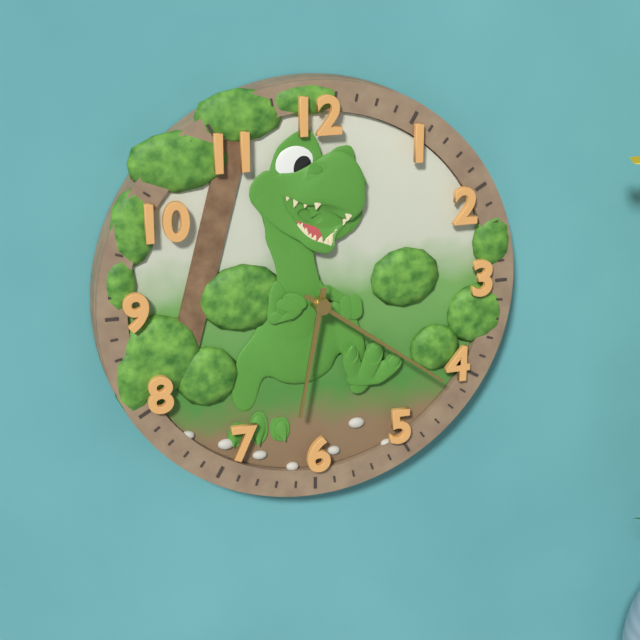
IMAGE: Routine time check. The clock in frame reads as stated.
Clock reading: 6:21
